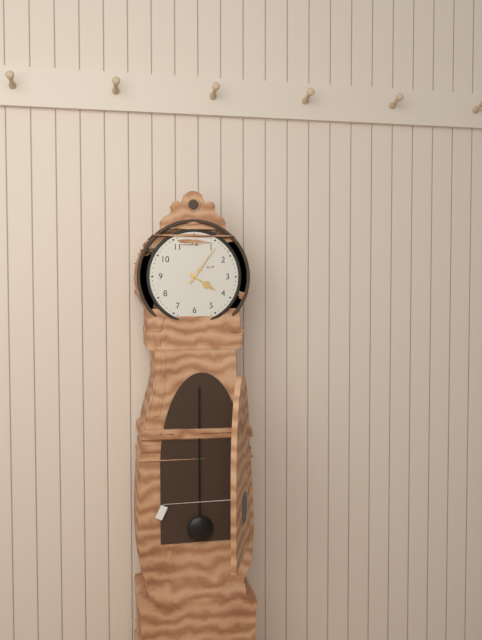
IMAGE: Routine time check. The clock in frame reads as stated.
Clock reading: 4:06
